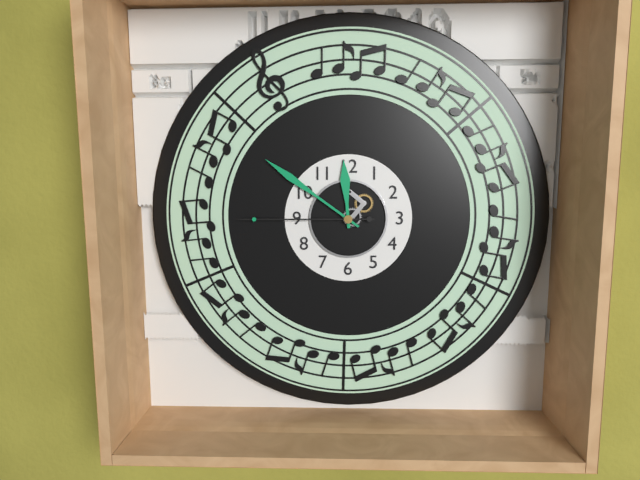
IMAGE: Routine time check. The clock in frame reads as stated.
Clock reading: 11:51:45
